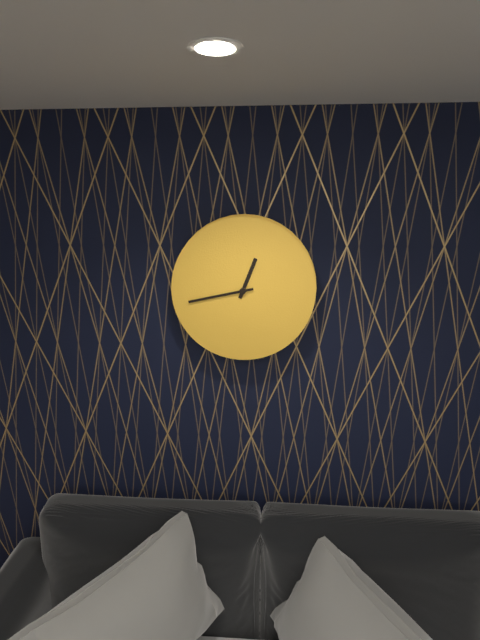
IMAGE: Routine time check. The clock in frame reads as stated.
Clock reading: 12:43
